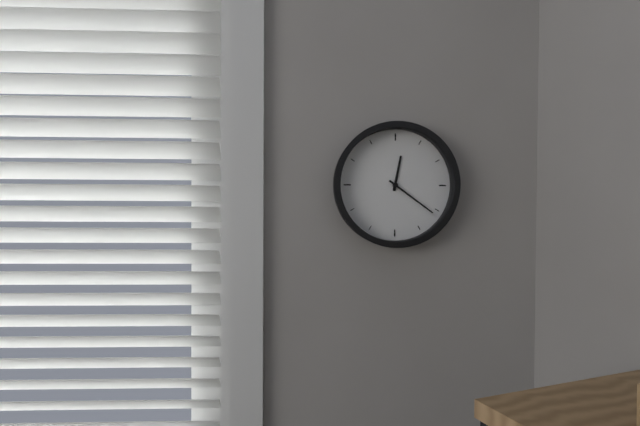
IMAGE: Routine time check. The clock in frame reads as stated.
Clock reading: 12:21
